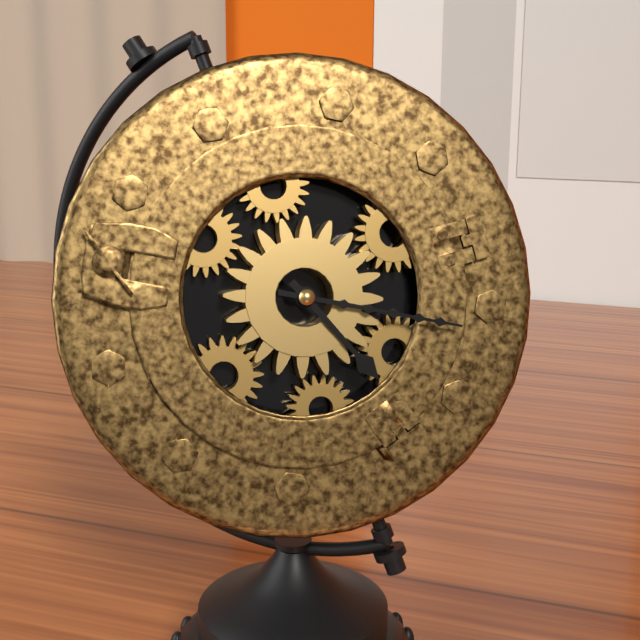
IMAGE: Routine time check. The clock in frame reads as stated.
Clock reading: 4:15
